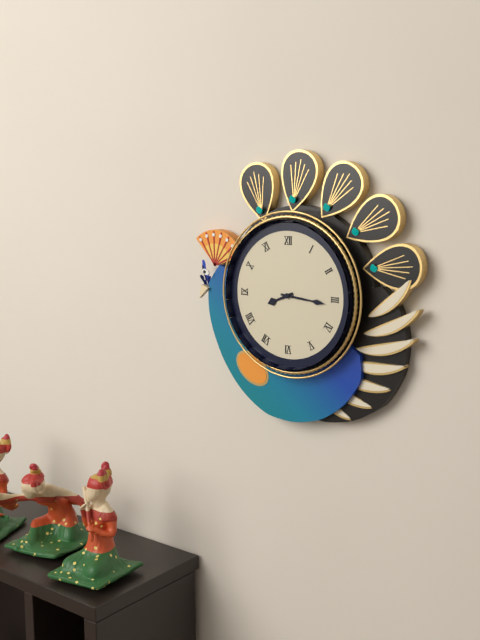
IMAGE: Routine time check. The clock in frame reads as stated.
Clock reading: 8:16
